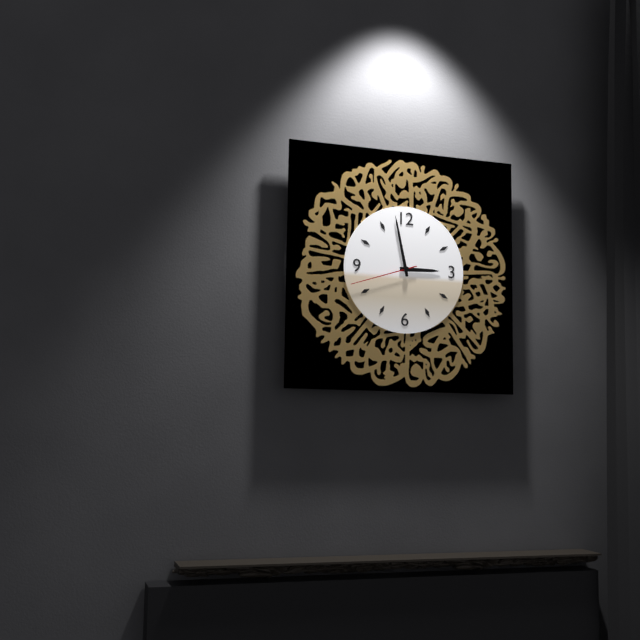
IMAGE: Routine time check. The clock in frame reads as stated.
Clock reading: 2:58:42
